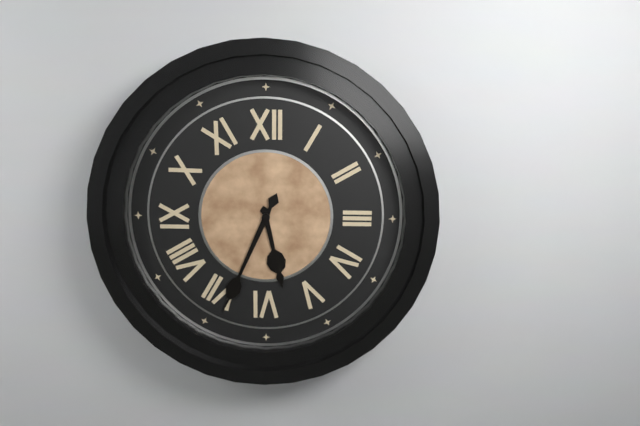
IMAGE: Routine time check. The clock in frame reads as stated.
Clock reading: 5:34
